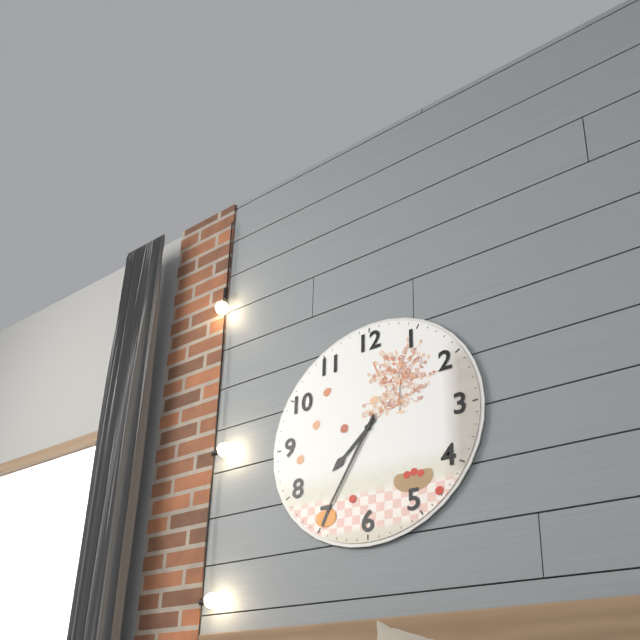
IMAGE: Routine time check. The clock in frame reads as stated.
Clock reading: 7:35
